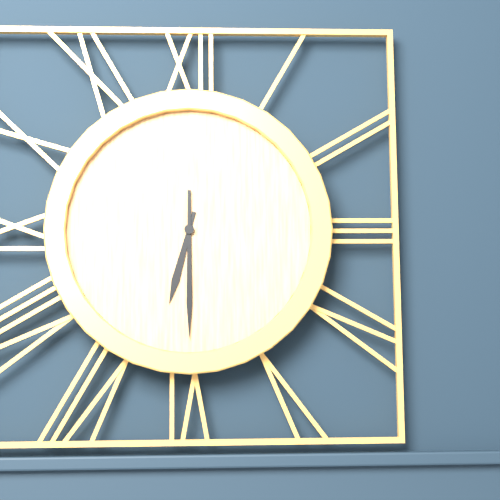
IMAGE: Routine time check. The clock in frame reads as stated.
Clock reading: 6:30
